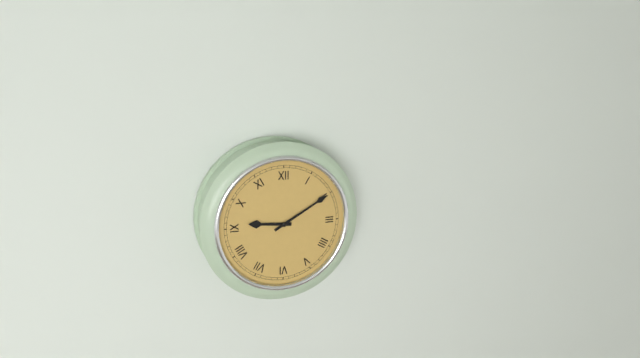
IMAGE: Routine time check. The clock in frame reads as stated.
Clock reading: 9:10
